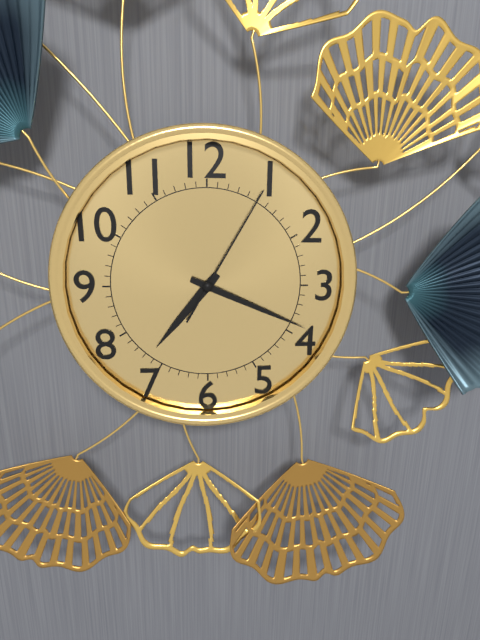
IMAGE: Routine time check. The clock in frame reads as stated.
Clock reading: 7:19:05
